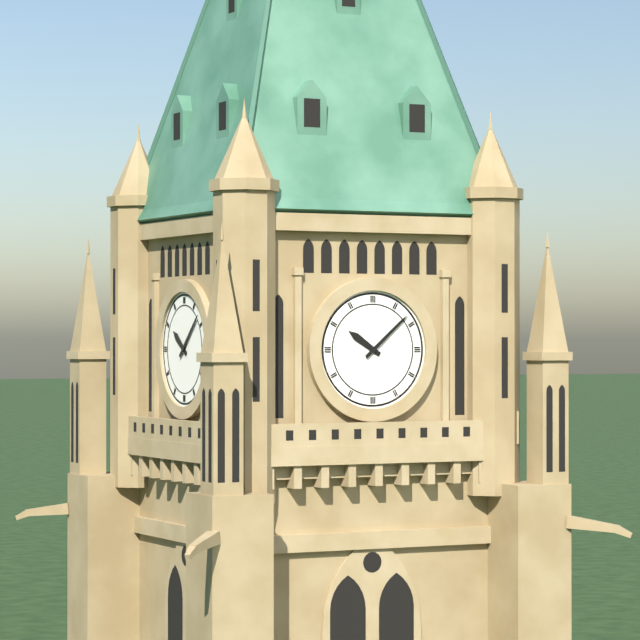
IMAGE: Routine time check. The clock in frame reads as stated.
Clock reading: 10:08
